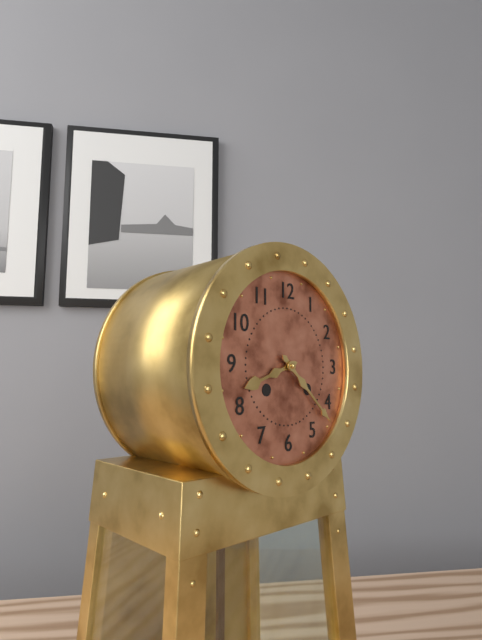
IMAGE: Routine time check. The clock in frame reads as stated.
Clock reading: 8:22
